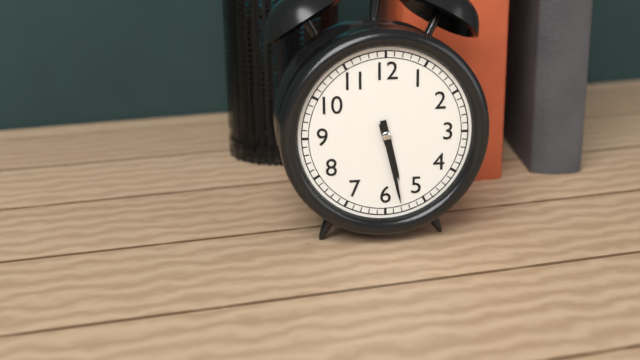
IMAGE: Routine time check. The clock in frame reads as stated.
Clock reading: 5:28
